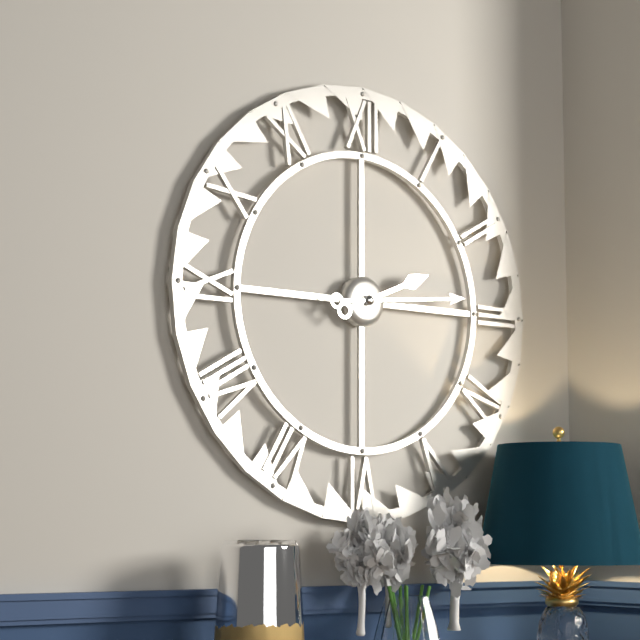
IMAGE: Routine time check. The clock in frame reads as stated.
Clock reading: 2:14
